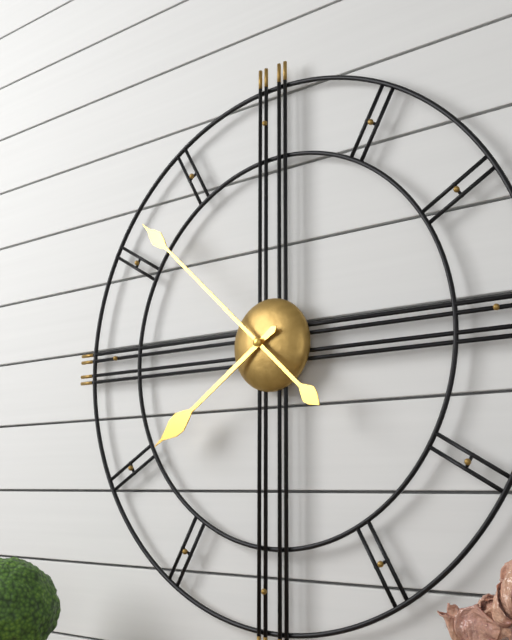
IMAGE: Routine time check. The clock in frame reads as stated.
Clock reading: 7:52
